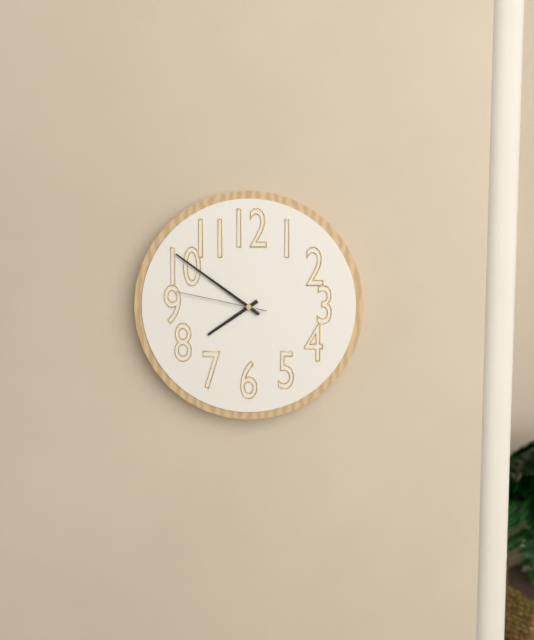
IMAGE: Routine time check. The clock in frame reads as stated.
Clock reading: 7:51:47
